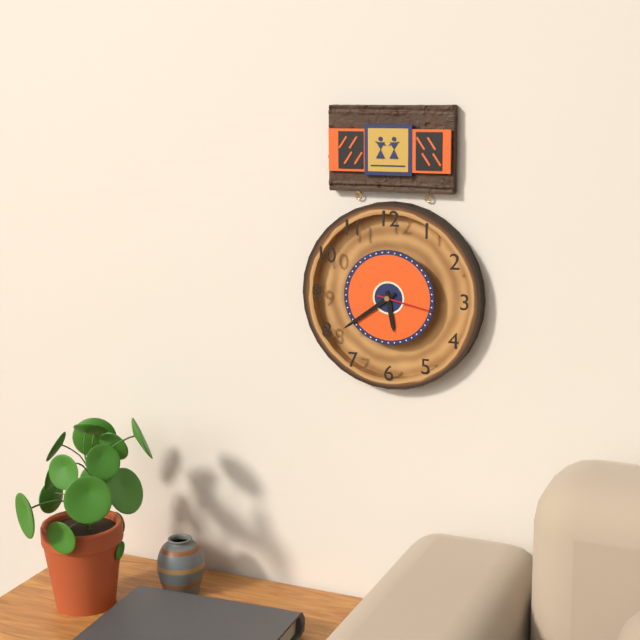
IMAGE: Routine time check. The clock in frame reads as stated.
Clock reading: 5:39:17
